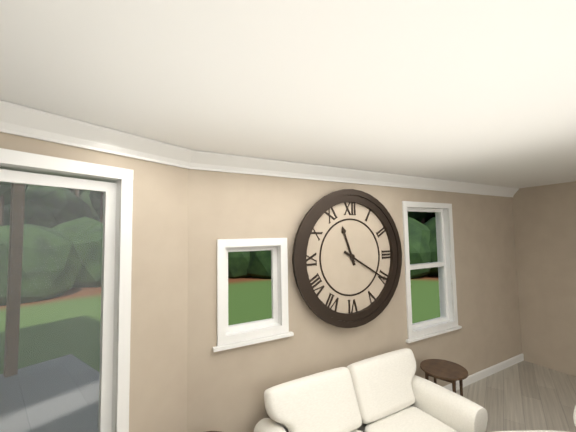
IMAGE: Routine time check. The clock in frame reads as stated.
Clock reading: 11:20
